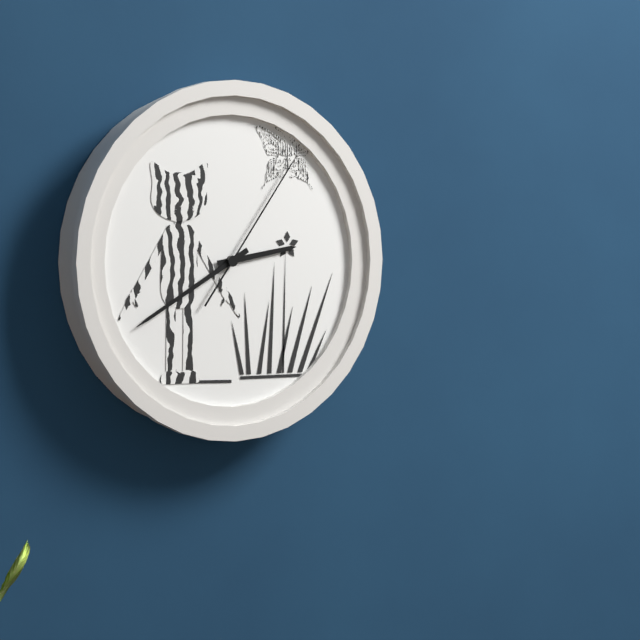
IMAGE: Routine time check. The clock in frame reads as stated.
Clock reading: 2:40:06
